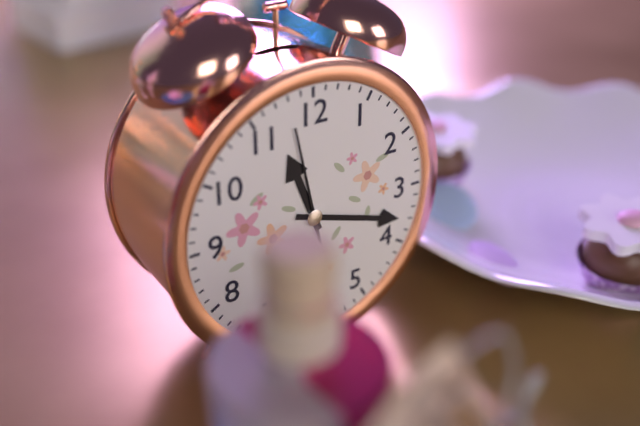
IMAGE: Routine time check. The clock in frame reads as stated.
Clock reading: 11:18:58
